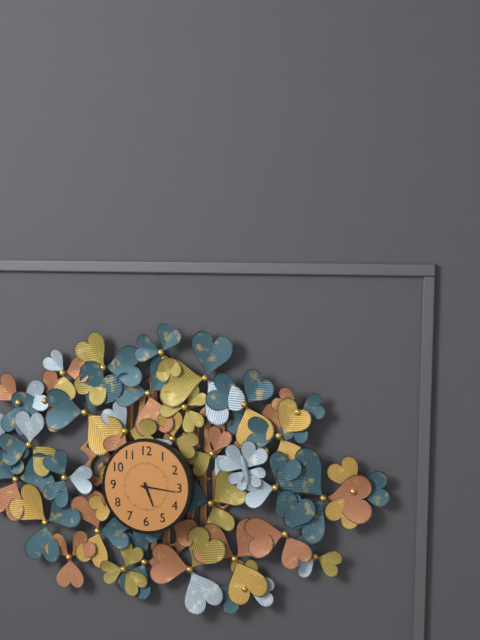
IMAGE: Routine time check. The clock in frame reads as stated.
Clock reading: 5:16
